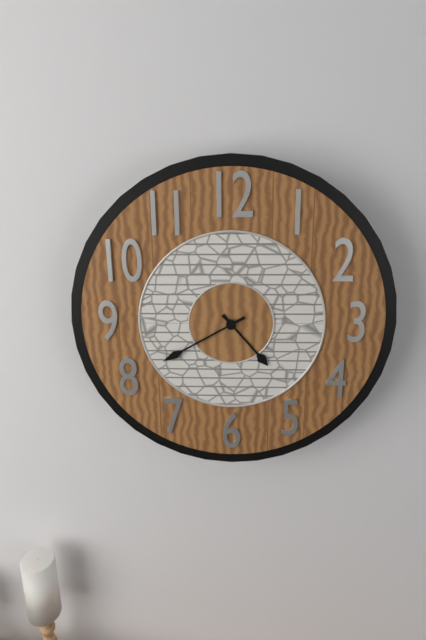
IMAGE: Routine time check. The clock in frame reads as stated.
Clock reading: 4:40
